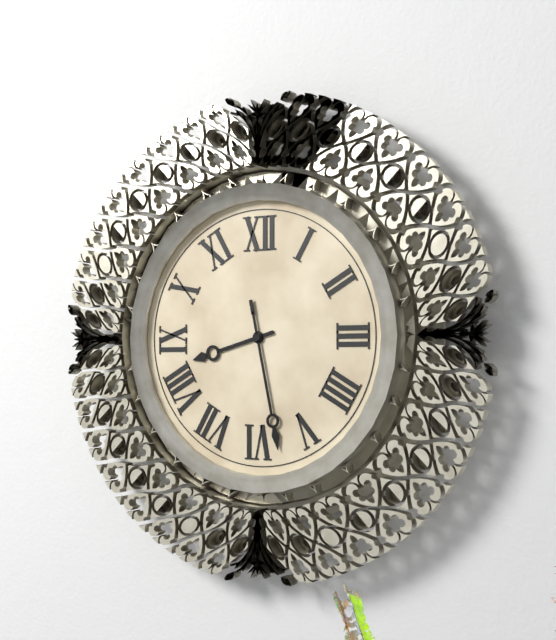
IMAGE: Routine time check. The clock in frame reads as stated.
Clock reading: 8:28
